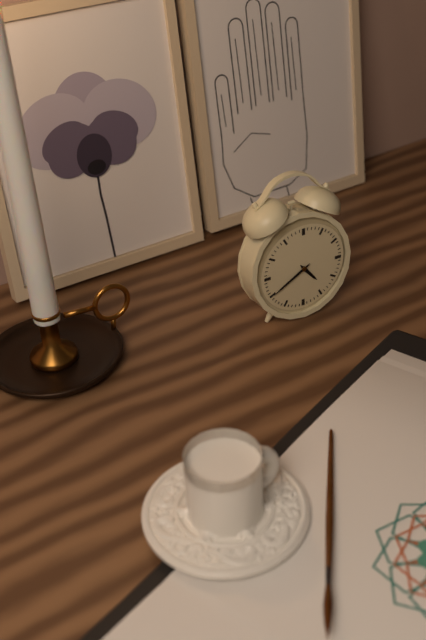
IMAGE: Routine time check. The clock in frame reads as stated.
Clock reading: 4:40
